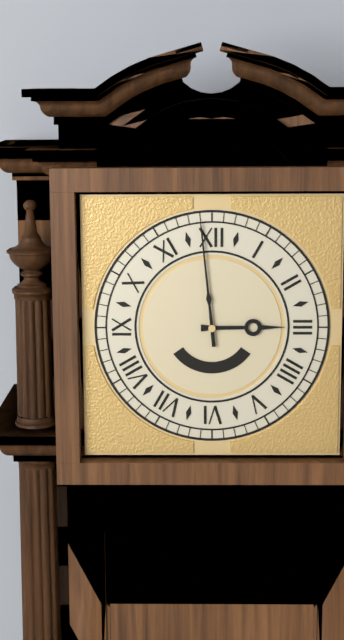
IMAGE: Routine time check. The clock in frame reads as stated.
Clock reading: 2:59
